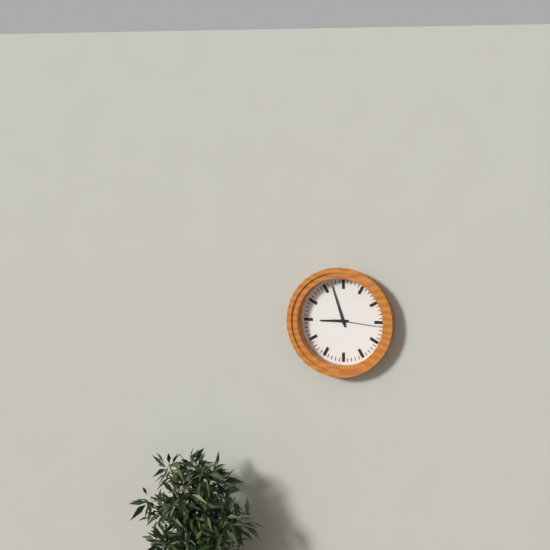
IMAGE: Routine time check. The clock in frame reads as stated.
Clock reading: 8:57
